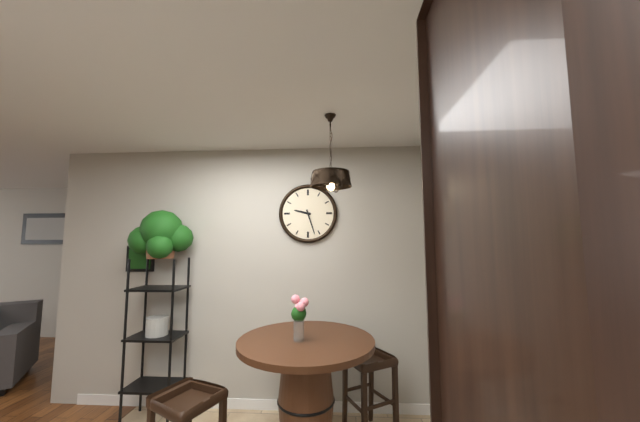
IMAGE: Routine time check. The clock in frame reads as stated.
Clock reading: 9:27
